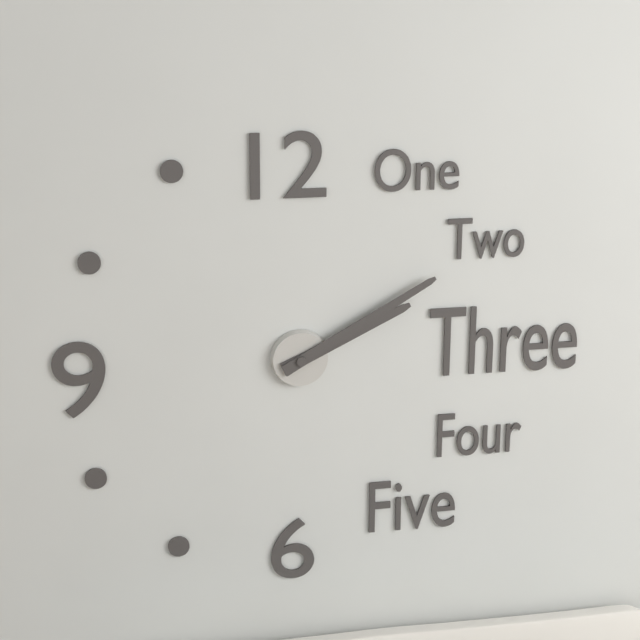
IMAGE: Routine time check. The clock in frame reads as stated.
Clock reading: 2:10
